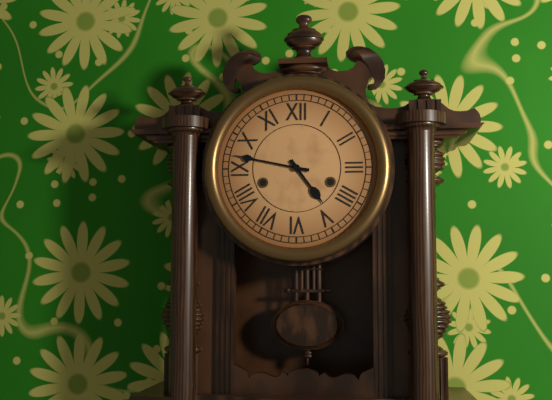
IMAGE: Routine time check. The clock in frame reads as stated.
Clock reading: 4:47
